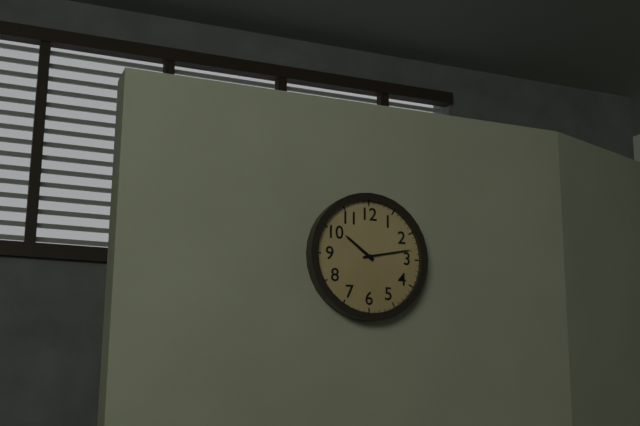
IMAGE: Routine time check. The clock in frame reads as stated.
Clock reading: 10:13
